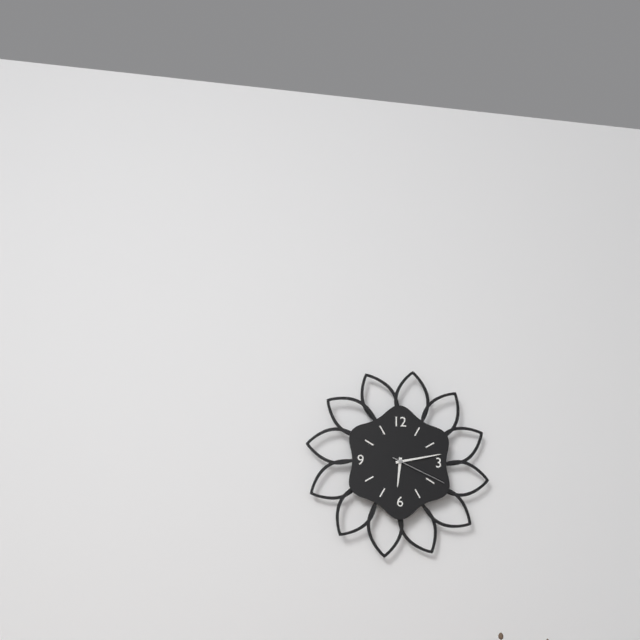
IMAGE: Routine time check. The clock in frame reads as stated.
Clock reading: 6:13:19
